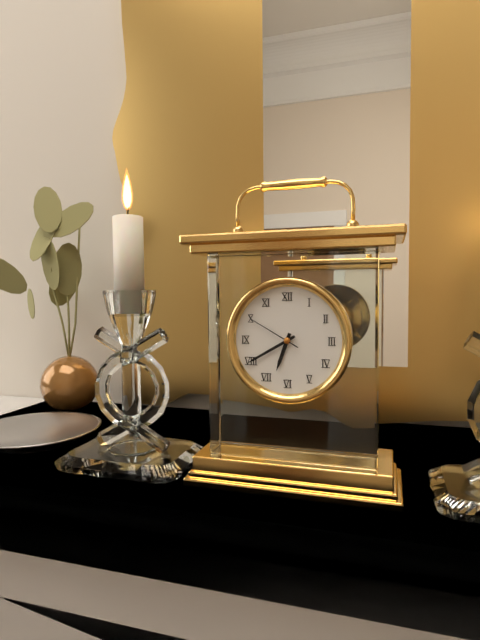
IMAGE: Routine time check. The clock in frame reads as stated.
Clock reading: 6:40:50
